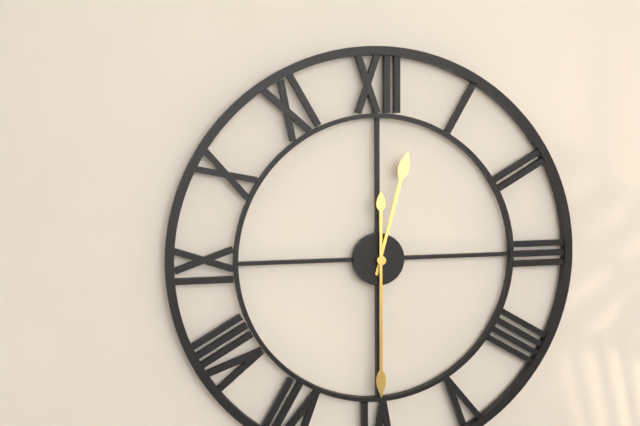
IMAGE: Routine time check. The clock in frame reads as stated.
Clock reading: 12:30
